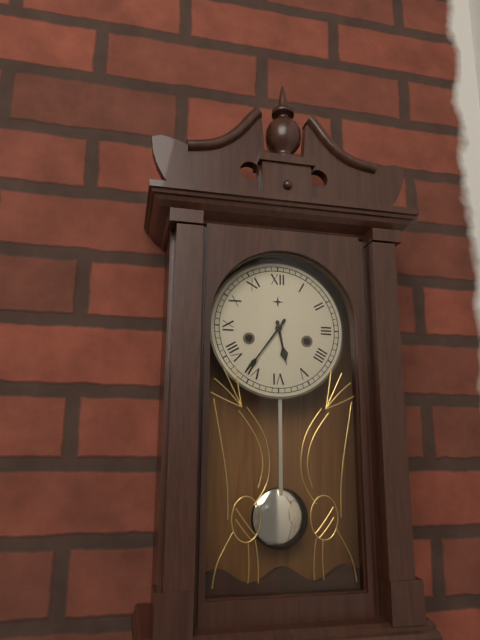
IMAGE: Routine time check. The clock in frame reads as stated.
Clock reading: 5:36
